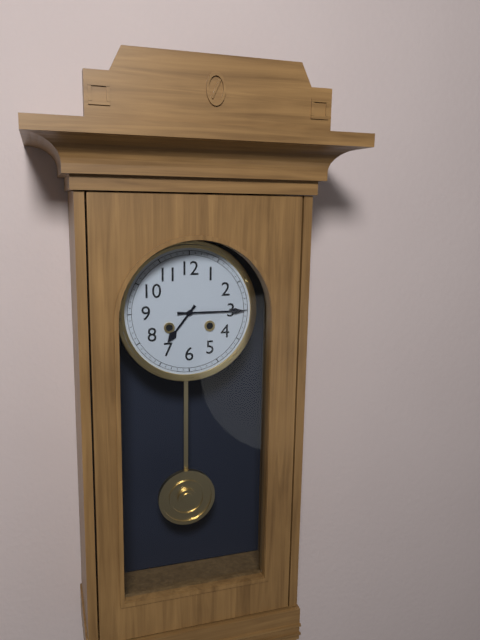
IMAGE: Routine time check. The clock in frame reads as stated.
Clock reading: 7:15
